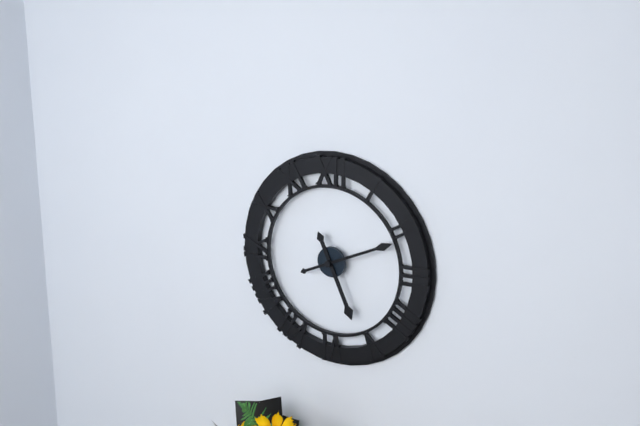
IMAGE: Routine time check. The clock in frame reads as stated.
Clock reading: 5:11
